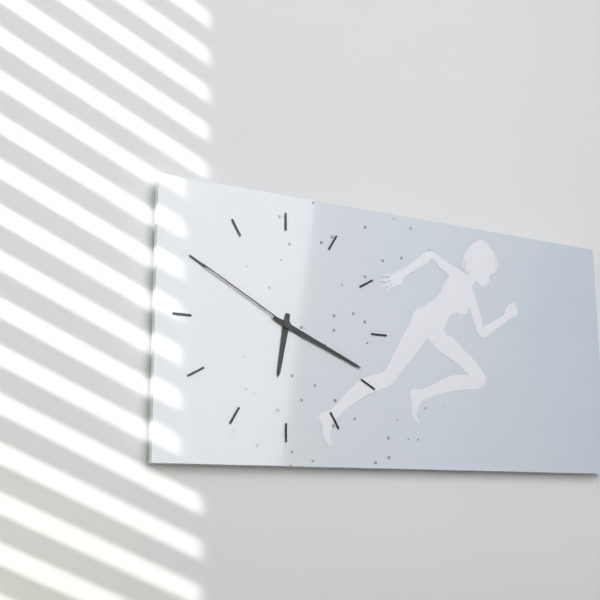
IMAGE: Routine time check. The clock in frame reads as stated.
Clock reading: 6:19:50
